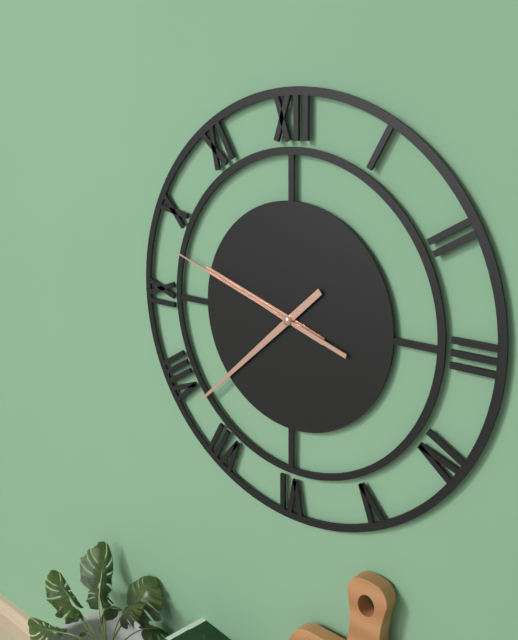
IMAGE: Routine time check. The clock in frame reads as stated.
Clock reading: 9:38:48
